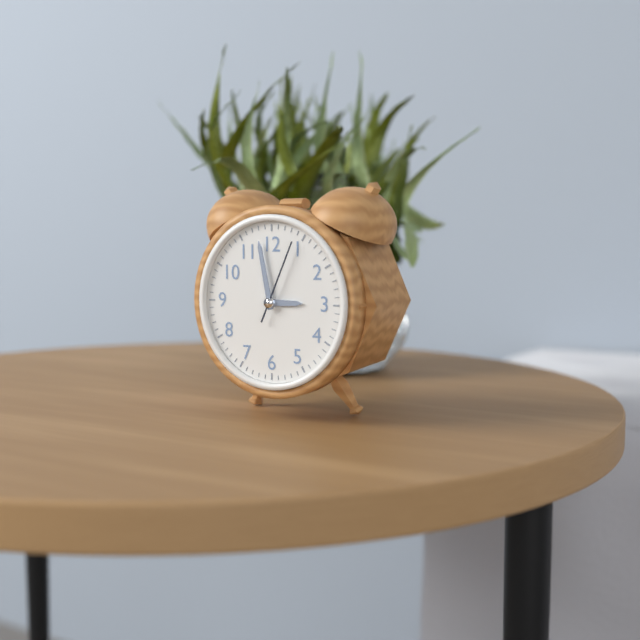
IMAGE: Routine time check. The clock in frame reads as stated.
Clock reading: 2:58:04
